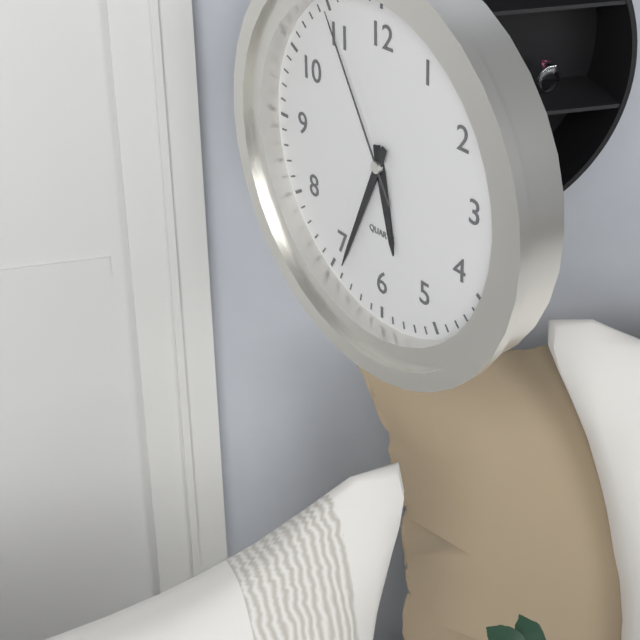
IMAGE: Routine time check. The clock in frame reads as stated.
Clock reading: 5:34:55
